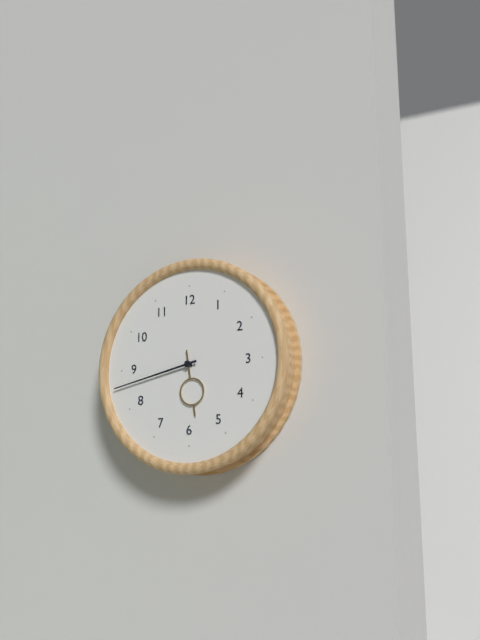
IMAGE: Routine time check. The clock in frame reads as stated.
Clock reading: 5:43
